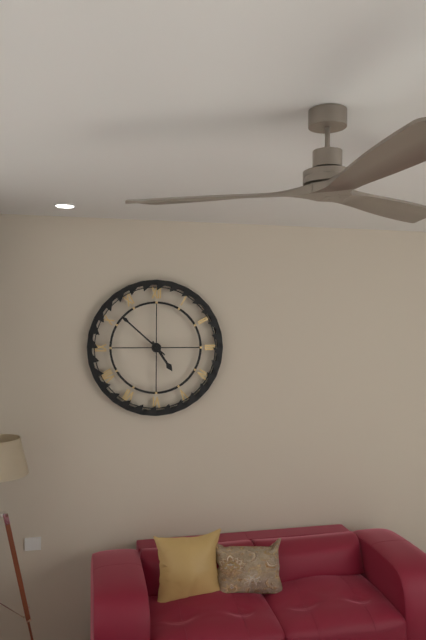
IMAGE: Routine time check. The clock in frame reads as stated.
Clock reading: 4:52
